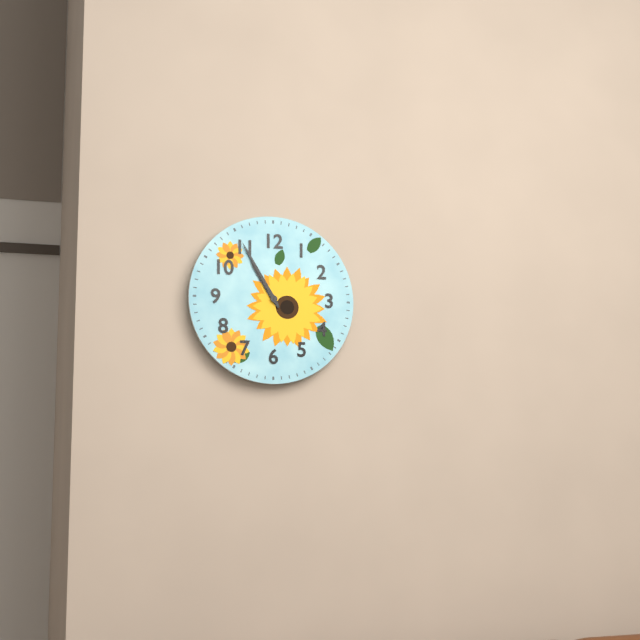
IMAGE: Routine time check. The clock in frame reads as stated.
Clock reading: 10:55
